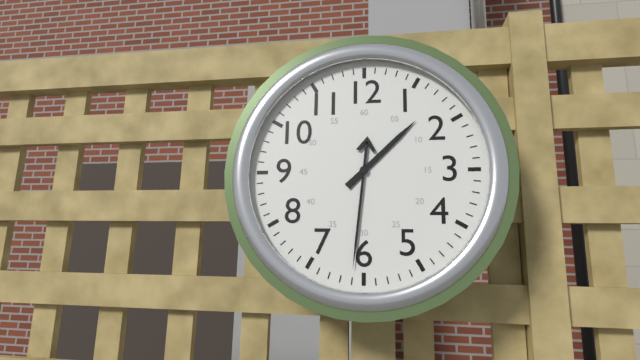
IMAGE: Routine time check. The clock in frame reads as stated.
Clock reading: 1:31
